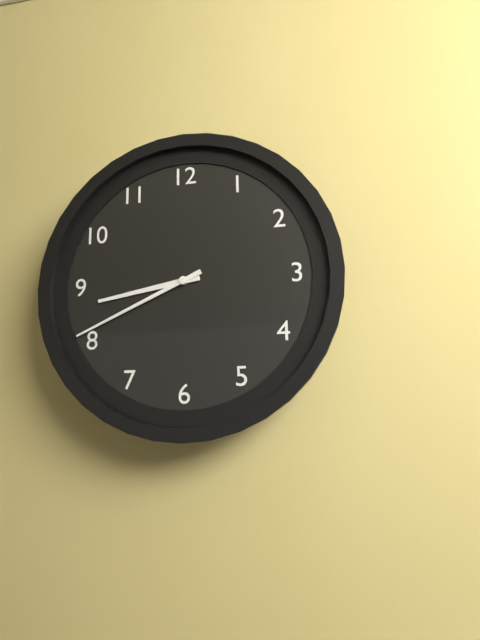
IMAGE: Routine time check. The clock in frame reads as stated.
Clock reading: 8:41
